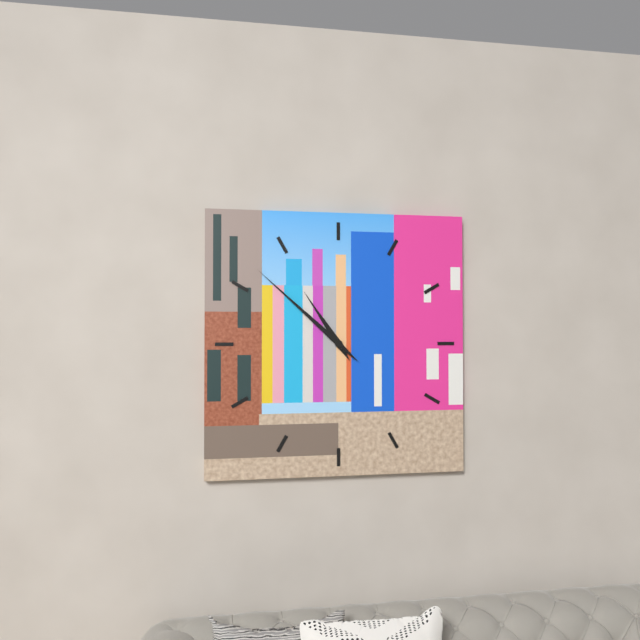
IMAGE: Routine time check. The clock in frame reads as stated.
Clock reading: 10:52
